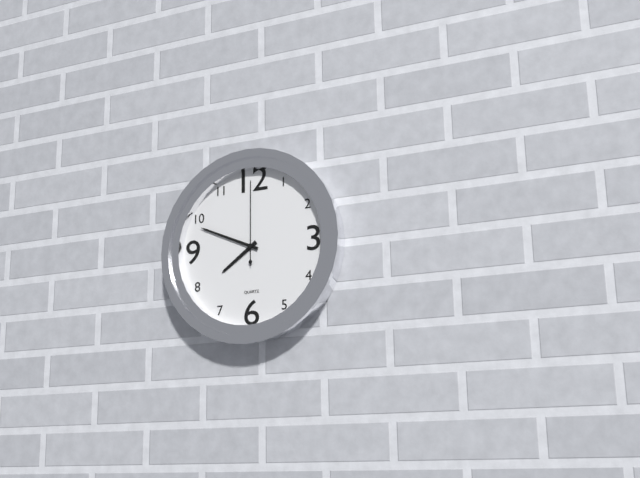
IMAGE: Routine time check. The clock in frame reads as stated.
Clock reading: 7:49:00
